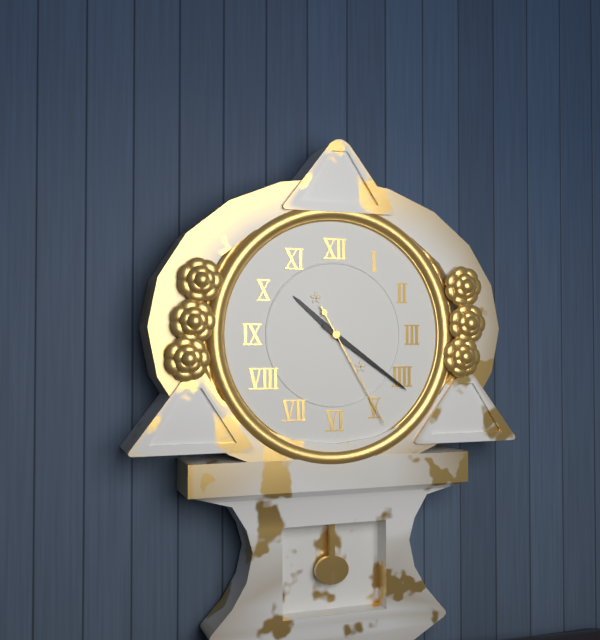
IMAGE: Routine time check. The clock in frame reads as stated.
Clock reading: 10:21:25
